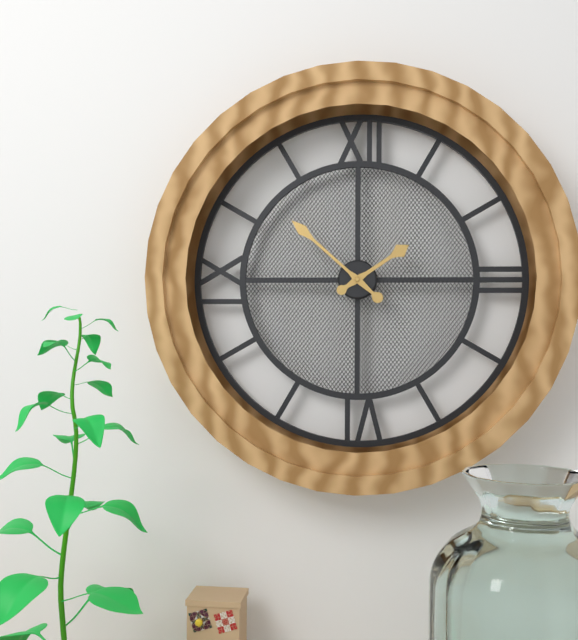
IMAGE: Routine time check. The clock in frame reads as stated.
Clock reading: 1:52
